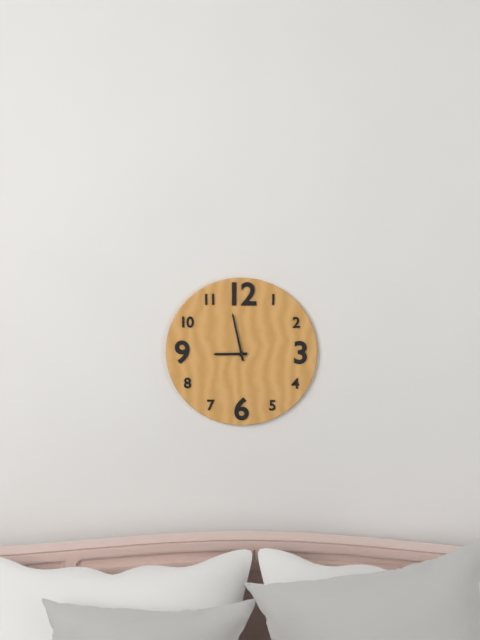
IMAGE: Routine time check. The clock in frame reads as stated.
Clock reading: 8:58
